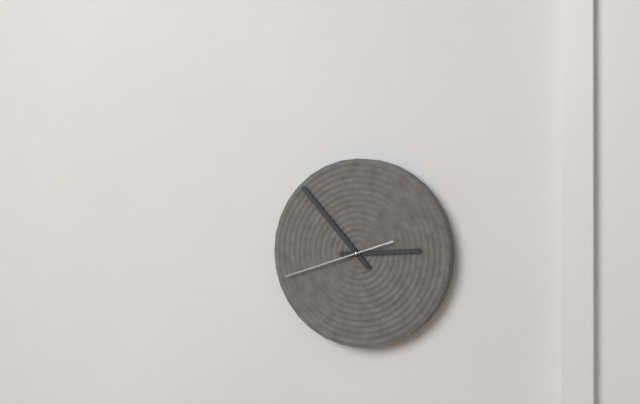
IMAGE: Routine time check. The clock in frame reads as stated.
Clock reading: 2:53:42
